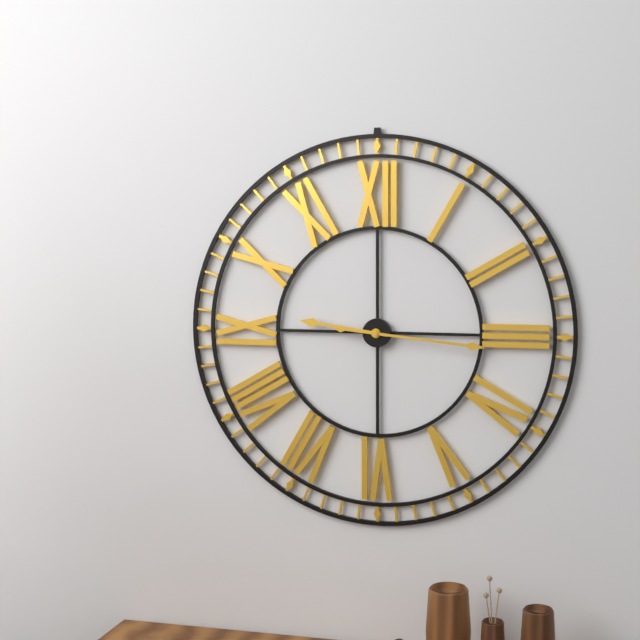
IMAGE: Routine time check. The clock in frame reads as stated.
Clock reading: 9:16
